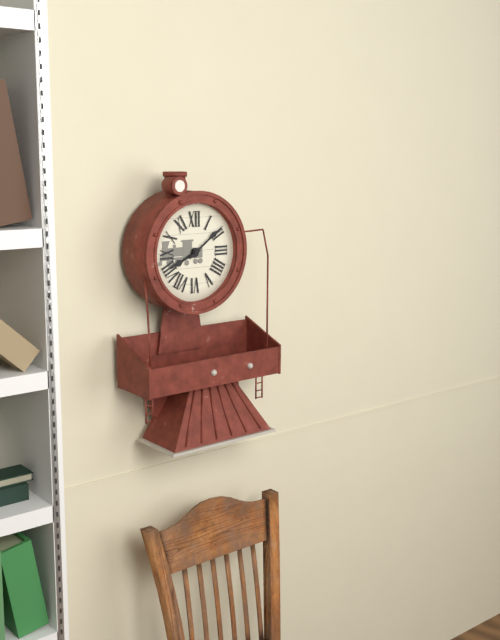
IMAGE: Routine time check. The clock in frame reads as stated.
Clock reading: 8:09
